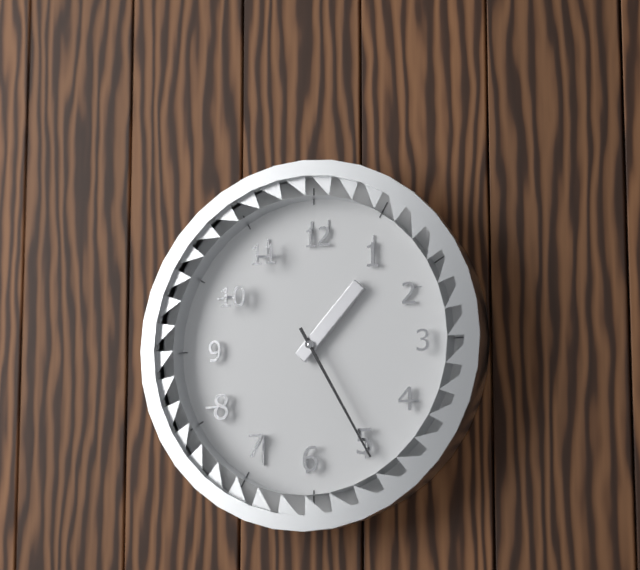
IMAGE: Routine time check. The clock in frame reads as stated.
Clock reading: 1:25
